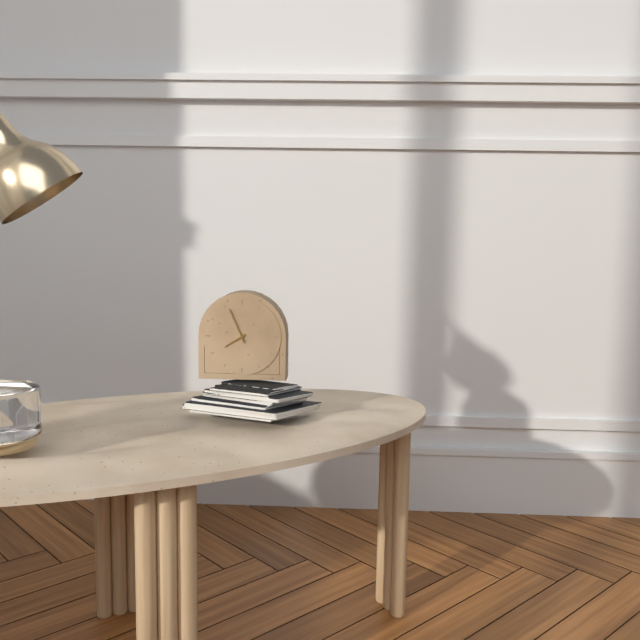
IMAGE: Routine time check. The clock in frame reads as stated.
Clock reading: 7:56
